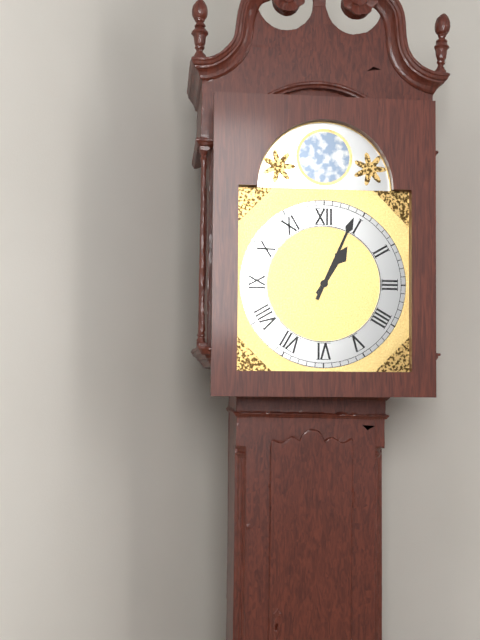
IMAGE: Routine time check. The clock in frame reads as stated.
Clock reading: 1:04
